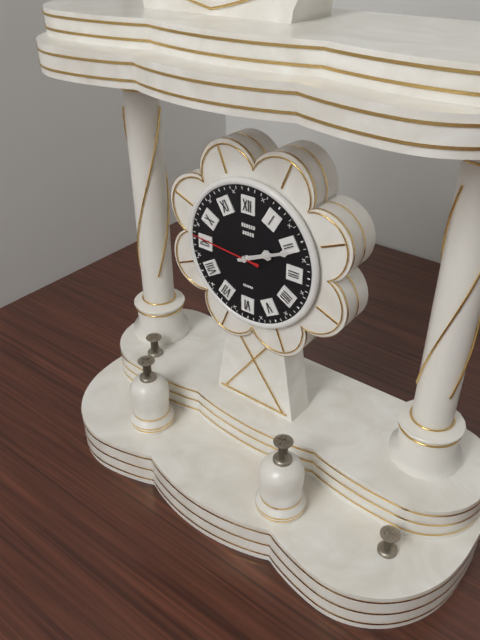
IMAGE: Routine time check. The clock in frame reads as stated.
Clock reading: 2:11:46
